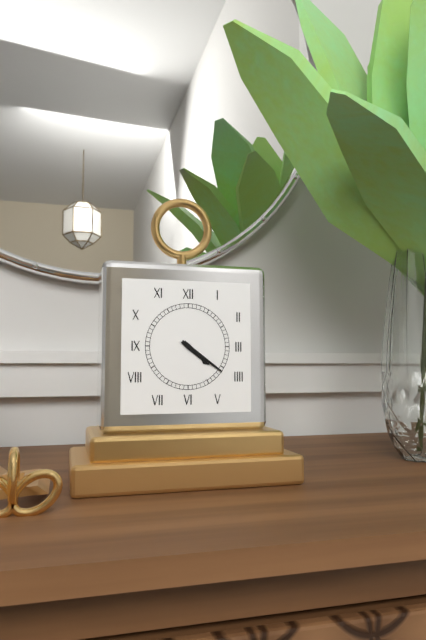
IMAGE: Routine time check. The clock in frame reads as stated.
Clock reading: 4:21
